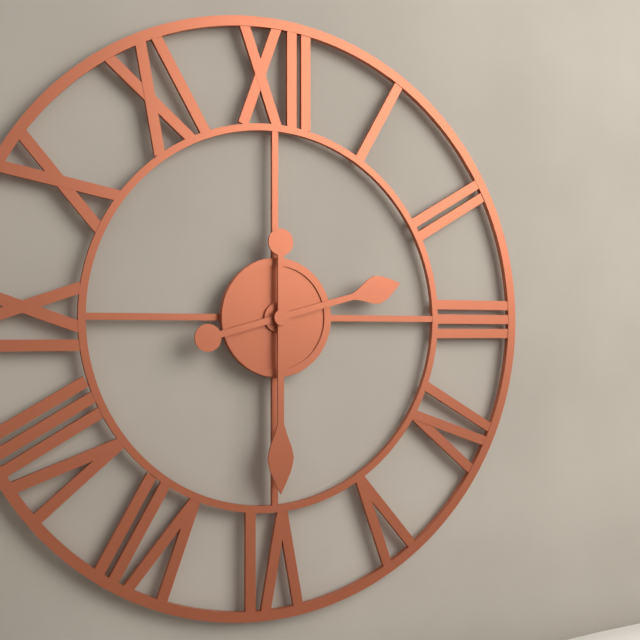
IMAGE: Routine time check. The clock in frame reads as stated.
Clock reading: 2:30
